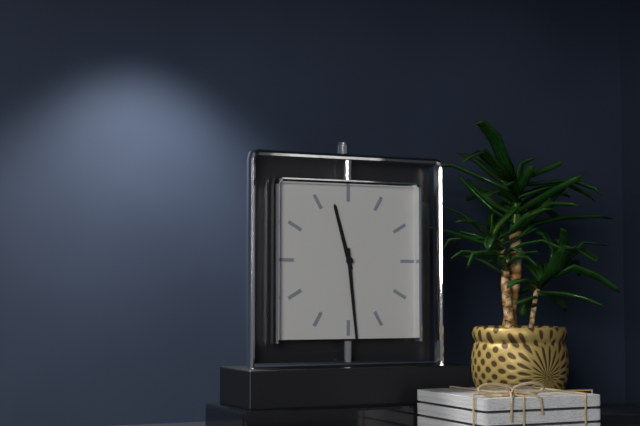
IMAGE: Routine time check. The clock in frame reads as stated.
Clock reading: 11:29
